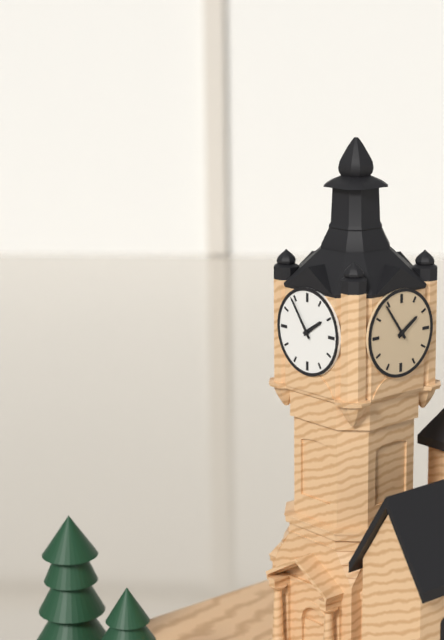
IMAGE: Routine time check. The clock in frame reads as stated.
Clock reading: 1:54
